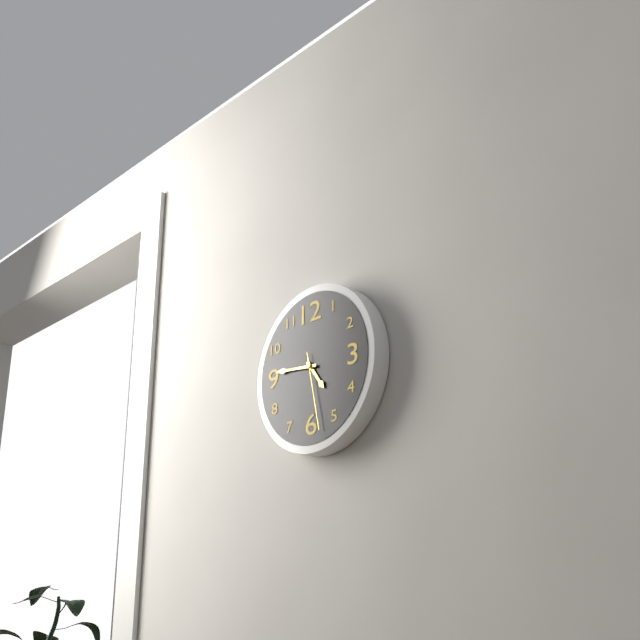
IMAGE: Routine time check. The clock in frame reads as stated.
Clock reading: 4:46:28
